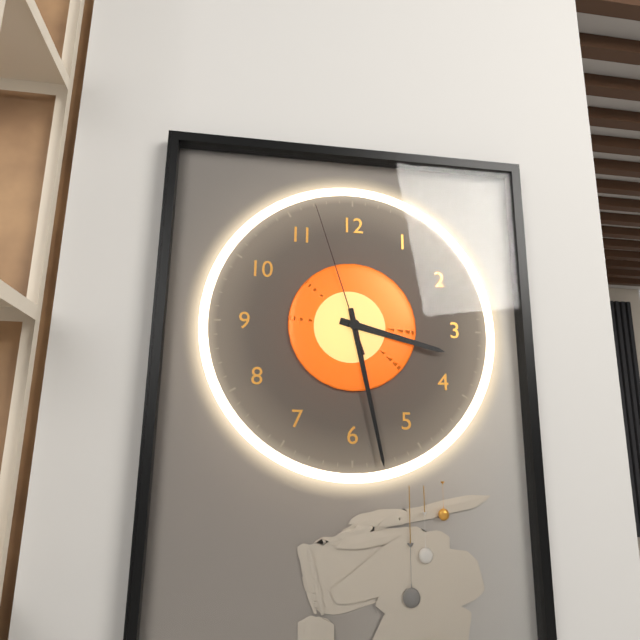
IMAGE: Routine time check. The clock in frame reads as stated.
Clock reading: 3:28:57
